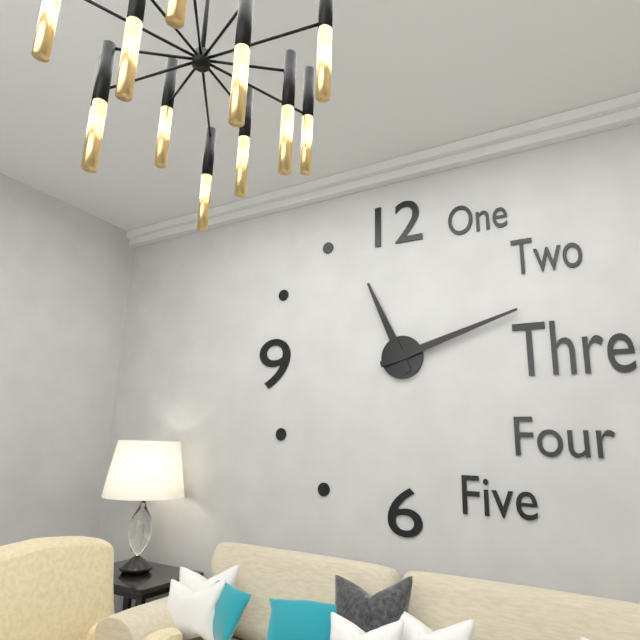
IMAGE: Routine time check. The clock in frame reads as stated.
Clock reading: 11:12
